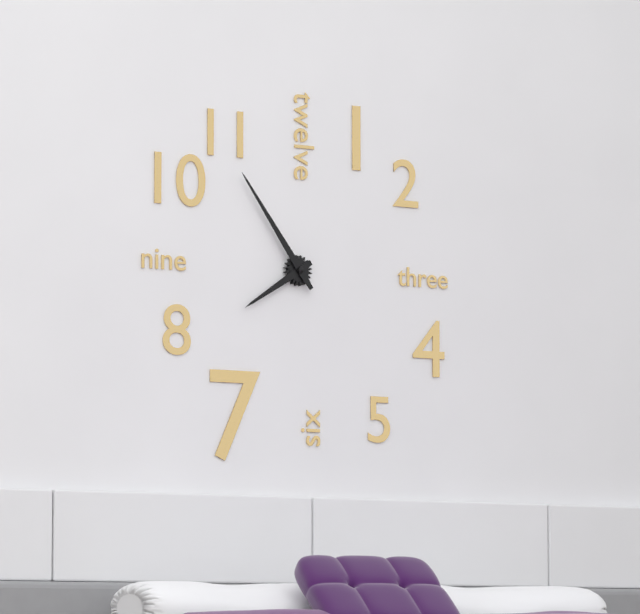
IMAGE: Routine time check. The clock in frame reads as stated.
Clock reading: 7:54
